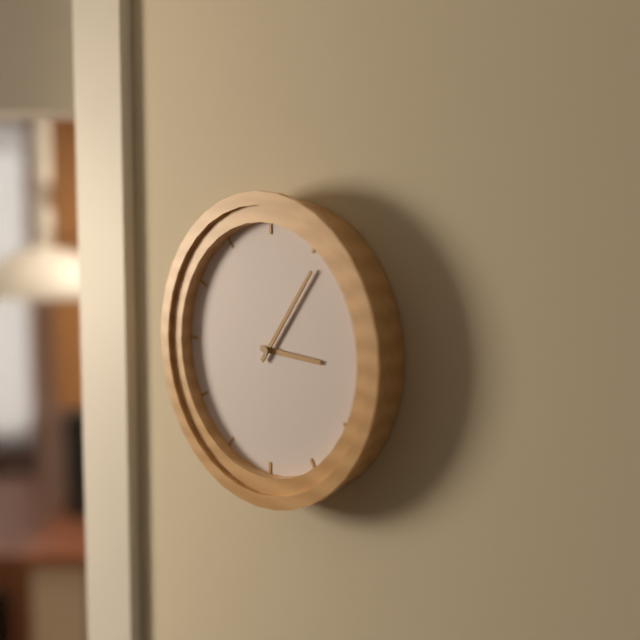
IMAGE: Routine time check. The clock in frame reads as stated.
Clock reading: 3:06
